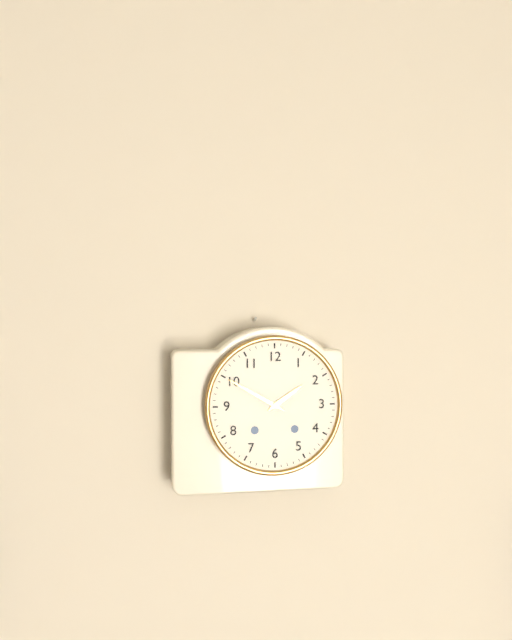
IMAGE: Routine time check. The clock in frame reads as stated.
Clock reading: 1:50
